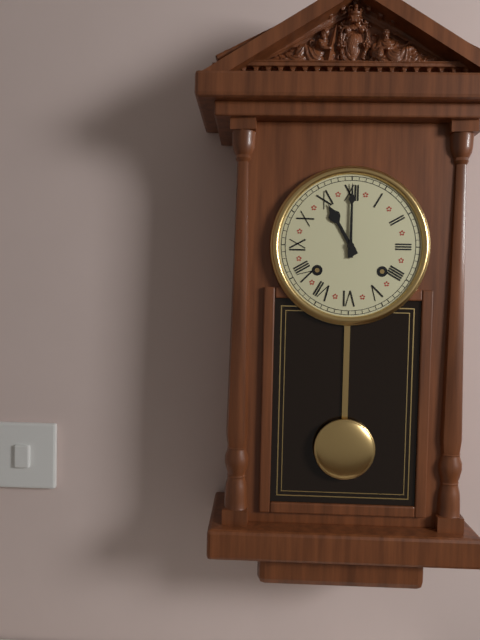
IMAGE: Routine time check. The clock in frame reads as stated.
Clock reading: 11:00
